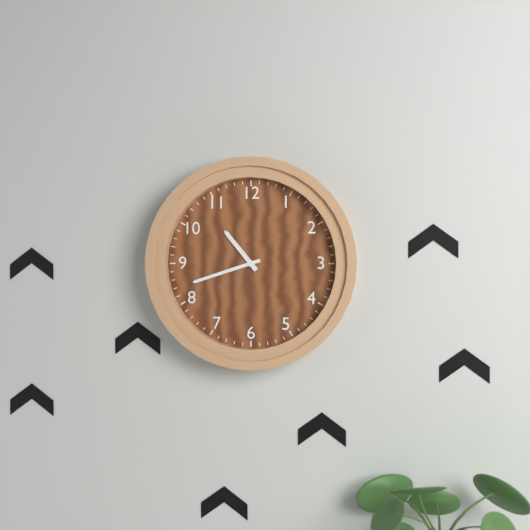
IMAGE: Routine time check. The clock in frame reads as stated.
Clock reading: 10:42
